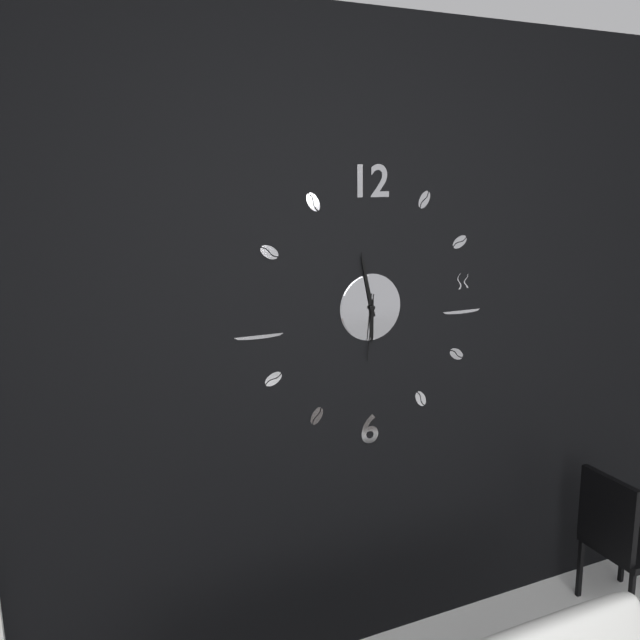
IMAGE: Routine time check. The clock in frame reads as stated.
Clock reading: 5:58:31
